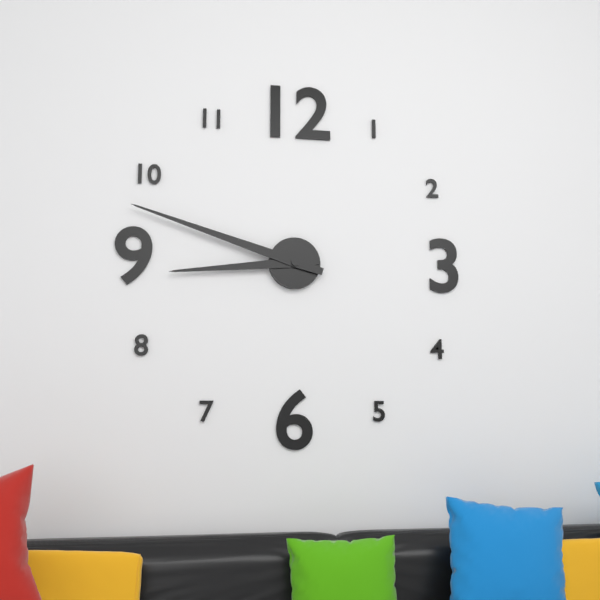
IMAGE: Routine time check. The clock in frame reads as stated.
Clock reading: 8:48
